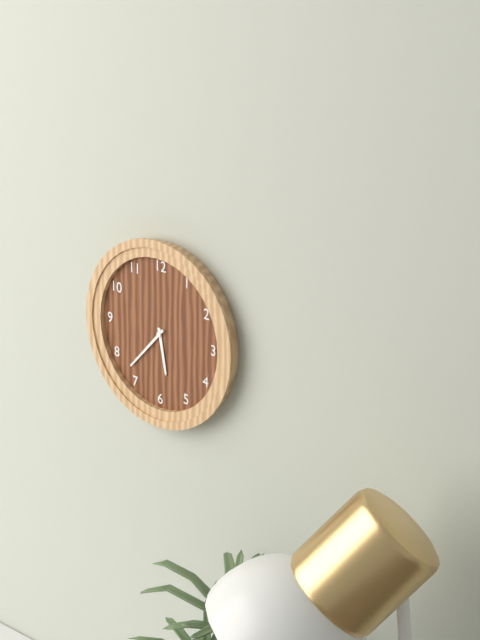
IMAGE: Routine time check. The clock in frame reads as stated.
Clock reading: 5:37
